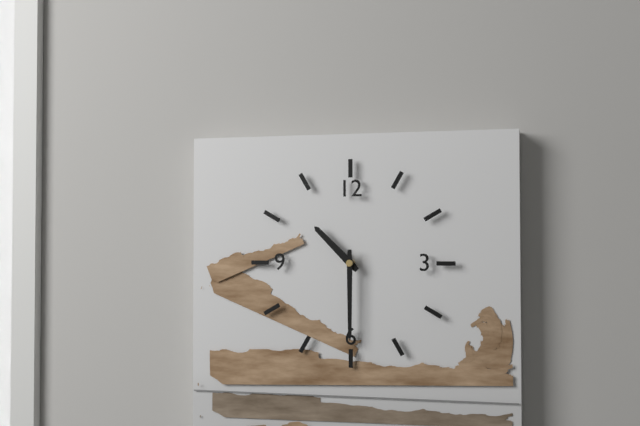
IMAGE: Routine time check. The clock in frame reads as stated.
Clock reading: 10:30
